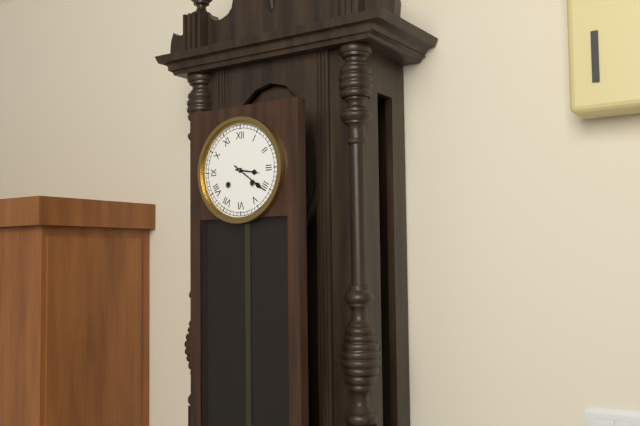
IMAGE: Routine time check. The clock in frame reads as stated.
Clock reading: 3:21
